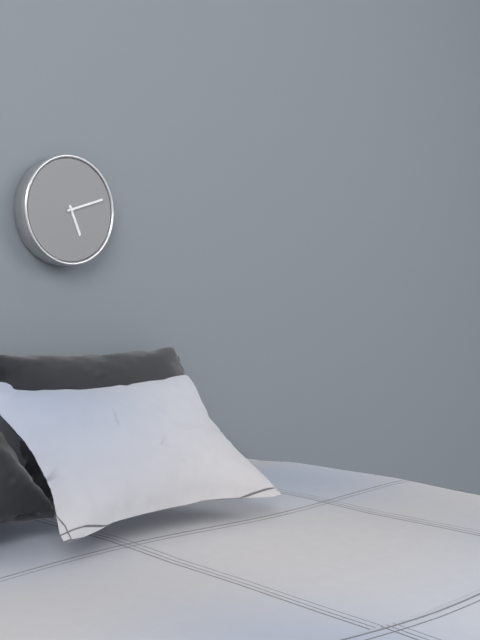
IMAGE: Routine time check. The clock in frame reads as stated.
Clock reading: 5:12
